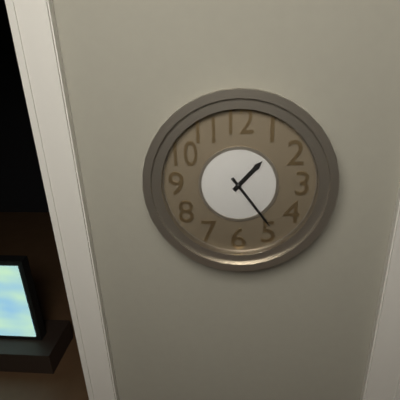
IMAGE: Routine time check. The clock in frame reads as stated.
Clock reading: 1:24
